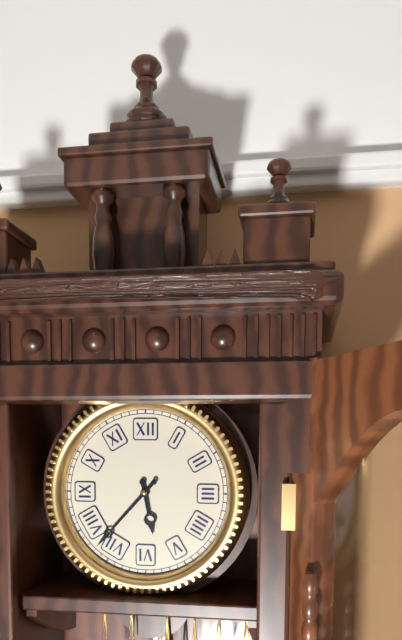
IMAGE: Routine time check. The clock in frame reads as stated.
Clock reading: 5:37
